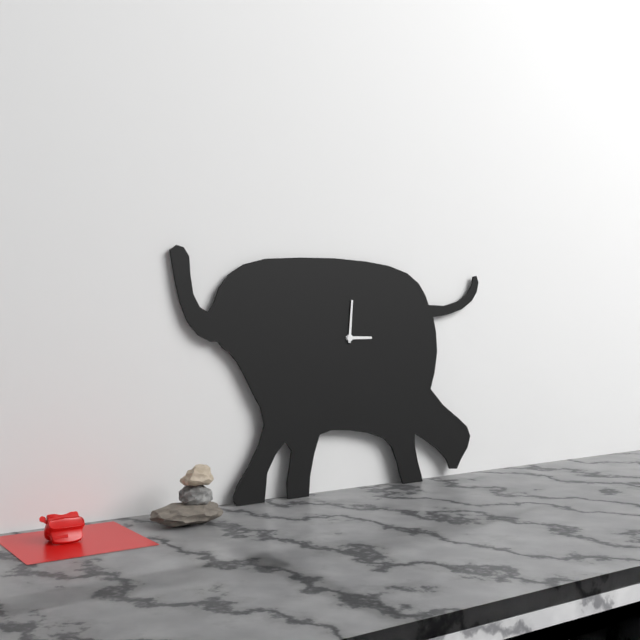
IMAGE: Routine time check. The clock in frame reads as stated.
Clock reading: 3:01
